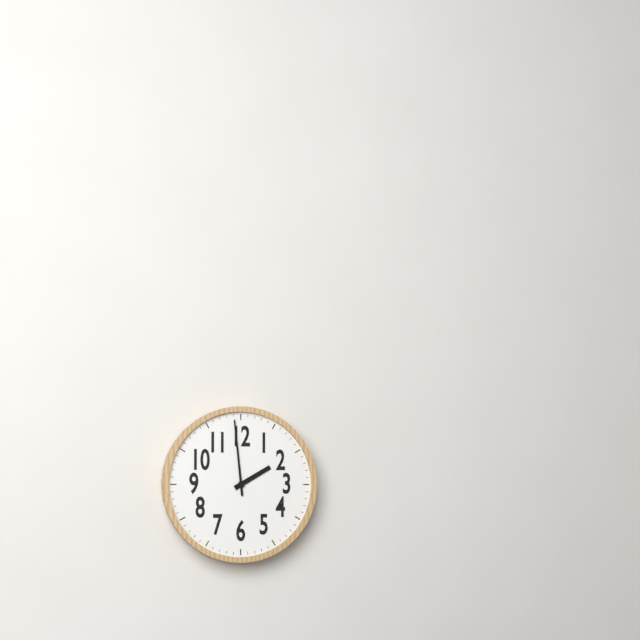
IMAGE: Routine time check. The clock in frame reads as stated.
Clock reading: 1:59
